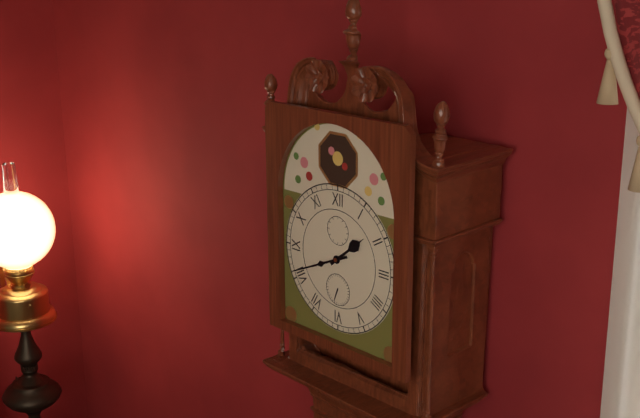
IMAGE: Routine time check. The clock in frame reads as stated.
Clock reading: 1:41
